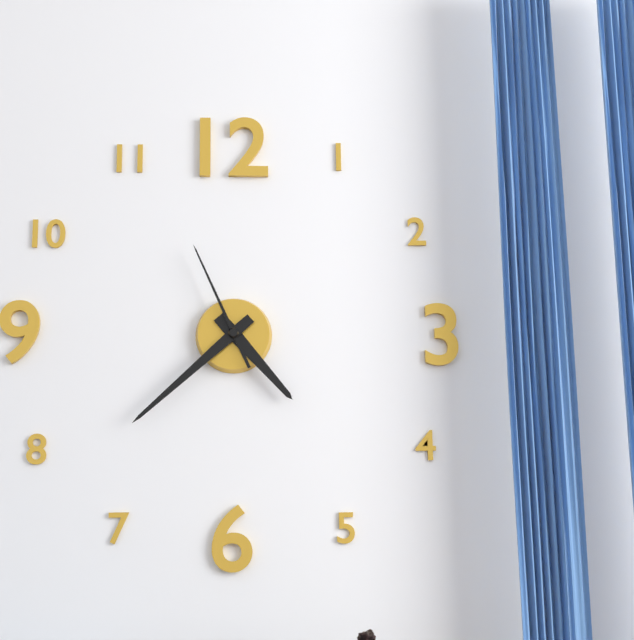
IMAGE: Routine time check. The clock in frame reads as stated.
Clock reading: 4:38:56
